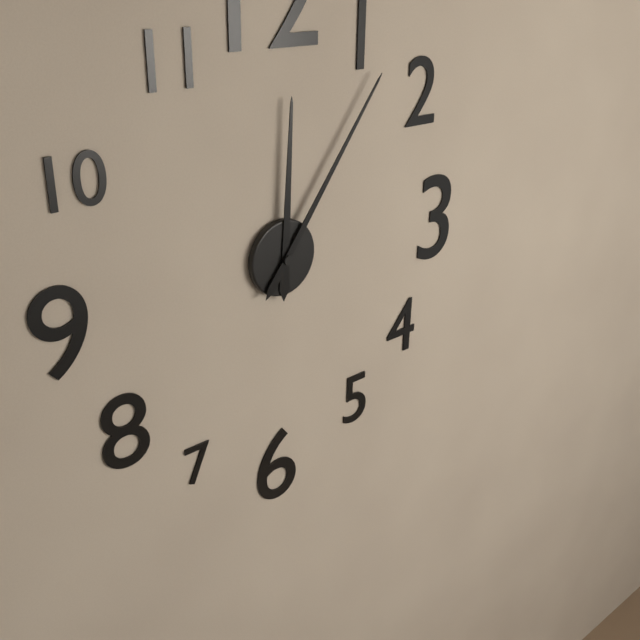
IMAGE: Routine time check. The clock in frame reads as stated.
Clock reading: 12:06
